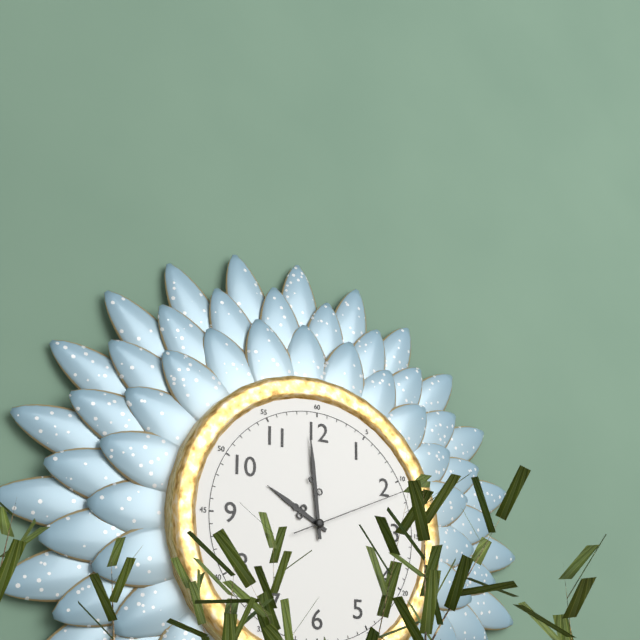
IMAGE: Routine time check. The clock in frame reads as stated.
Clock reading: 9:59:11
